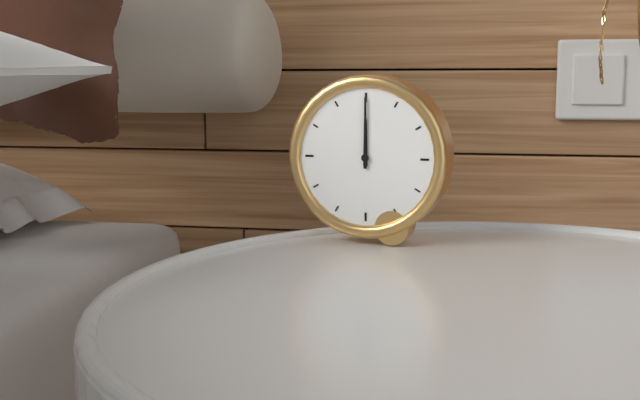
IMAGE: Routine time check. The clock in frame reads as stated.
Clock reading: 12:00
